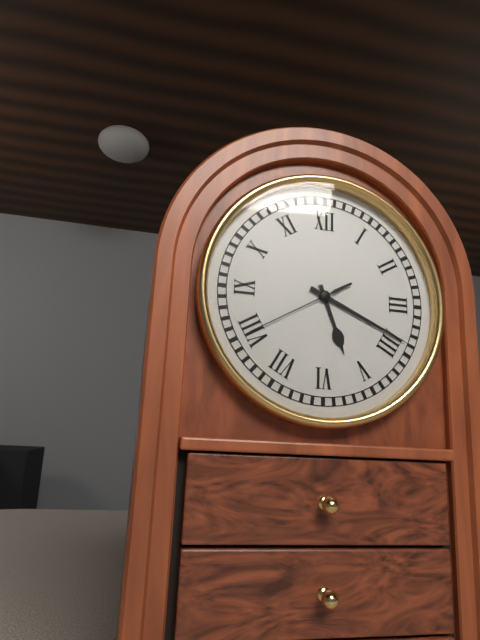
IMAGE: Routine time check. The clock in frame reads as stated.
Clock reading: 5:19:40
